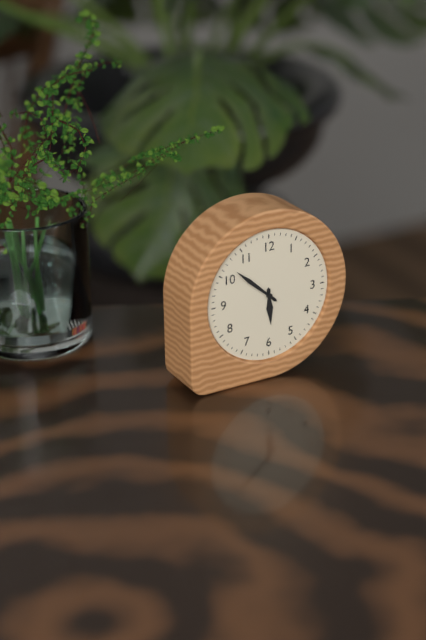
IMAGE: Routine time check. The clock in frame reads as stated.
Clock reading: 5:52
